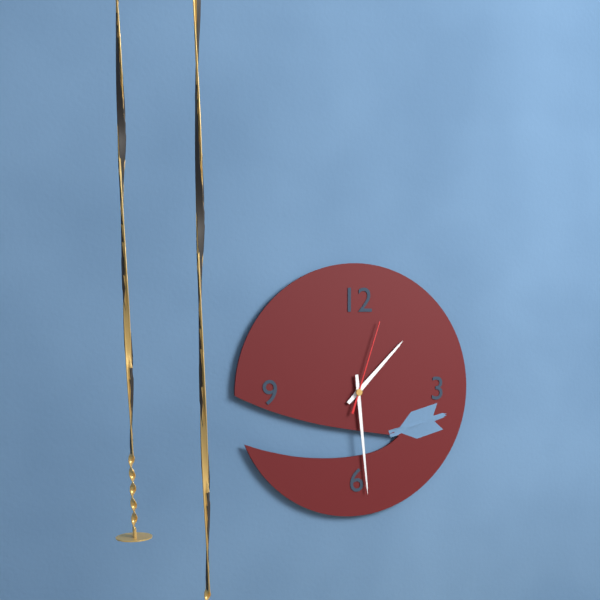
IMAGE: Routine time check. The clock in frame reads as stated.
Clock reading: 1:29:03
